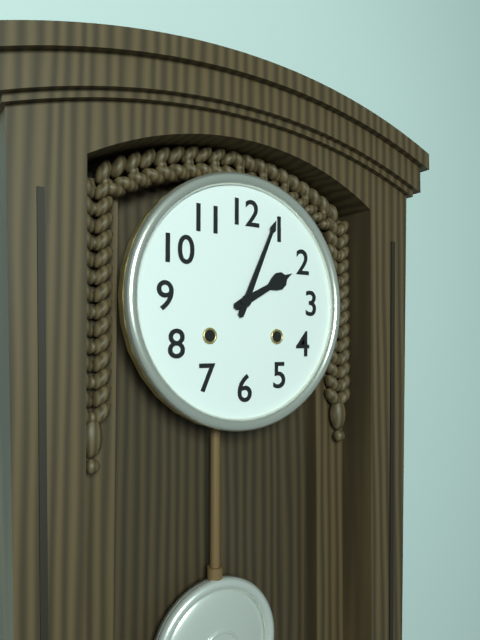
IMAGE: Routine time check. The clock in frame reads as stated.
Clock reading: 2:04
